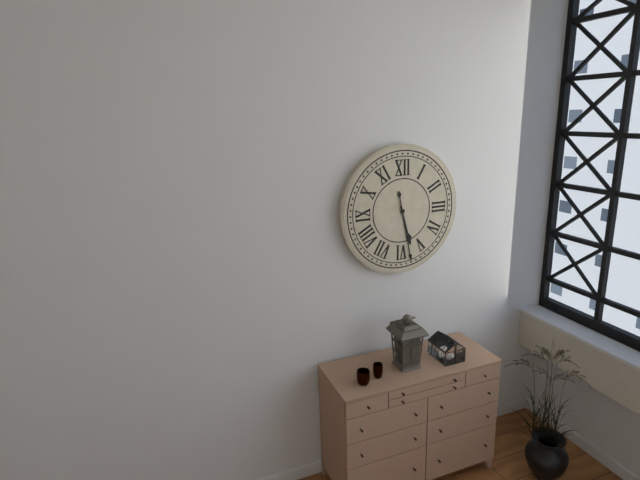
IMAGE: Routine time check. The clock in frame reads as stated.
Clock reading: 5:28
